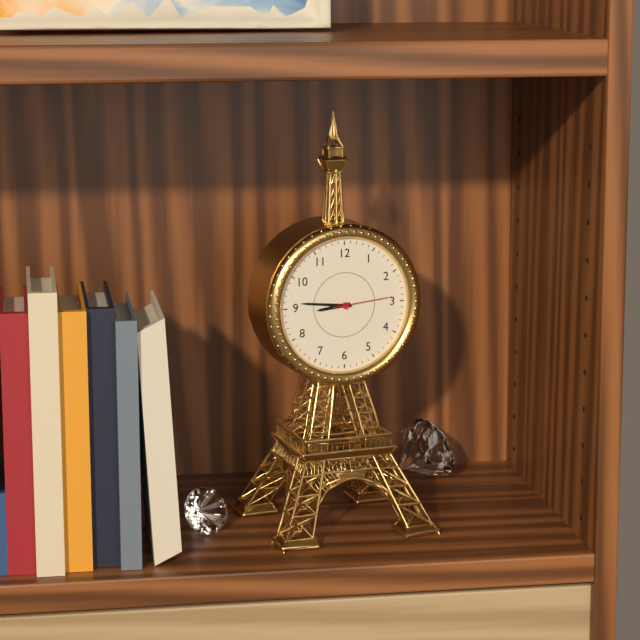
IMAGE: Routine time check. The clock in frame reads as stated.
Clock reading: 8:46:14
